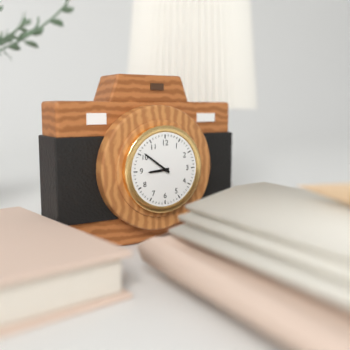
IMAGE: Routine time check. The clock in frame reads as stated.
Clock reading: 8:51
